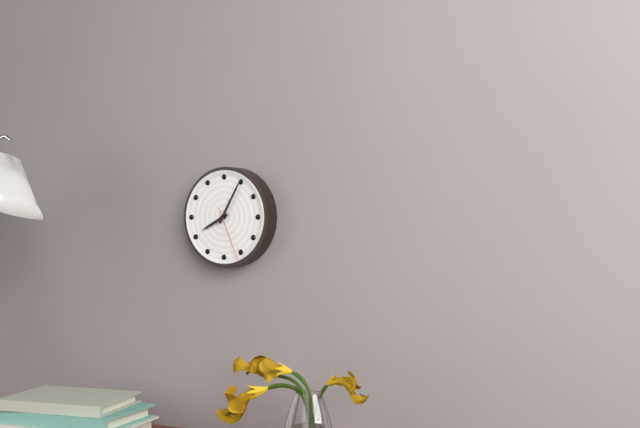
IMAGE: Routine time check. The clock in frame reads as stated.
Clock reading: 8:05:26
